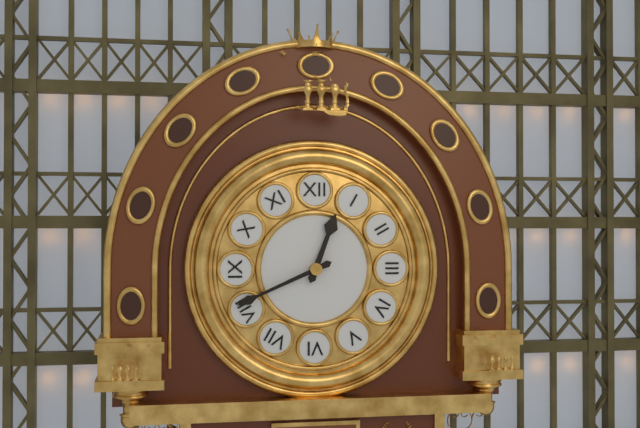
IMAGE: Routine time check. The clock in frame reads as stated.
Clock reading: 12:41
